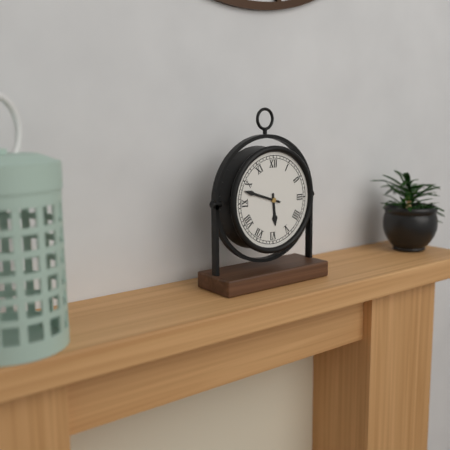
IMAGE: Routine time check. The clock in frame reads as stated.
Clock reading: 5:48
